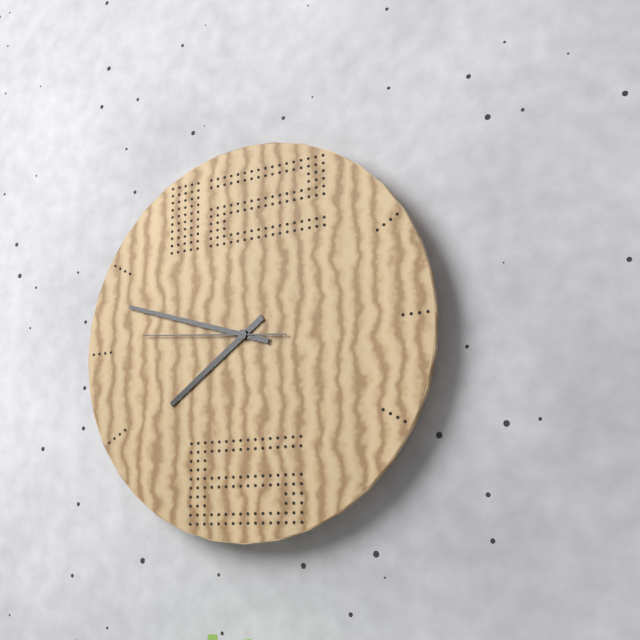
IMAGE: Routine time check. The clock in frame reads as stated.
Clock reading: 7:48:46
